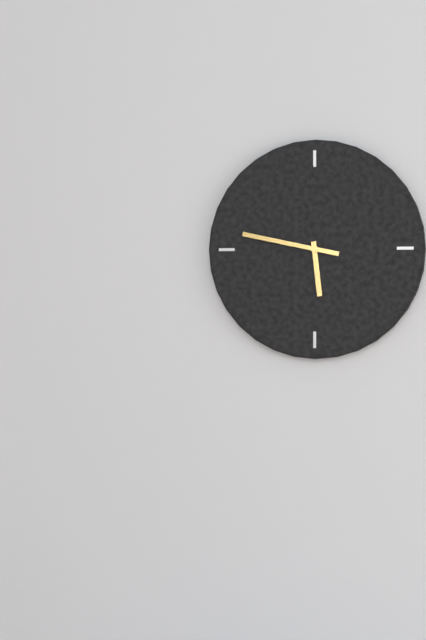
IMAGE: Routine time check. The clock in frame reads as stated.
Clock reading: 5:47
